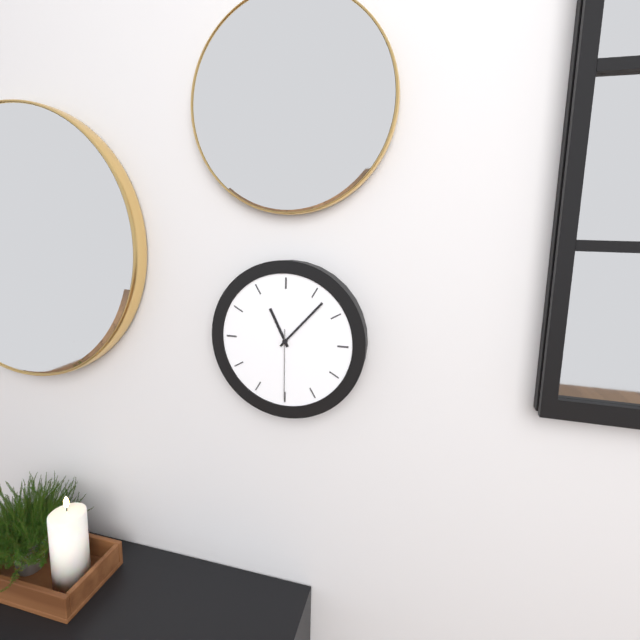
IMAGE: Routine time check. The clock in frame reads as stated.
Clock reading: 11:07:30
